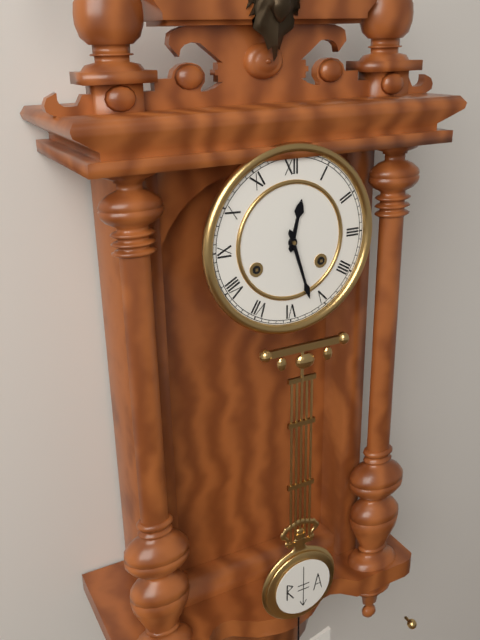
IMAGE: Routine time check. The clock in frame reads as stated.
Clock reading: 12:27
